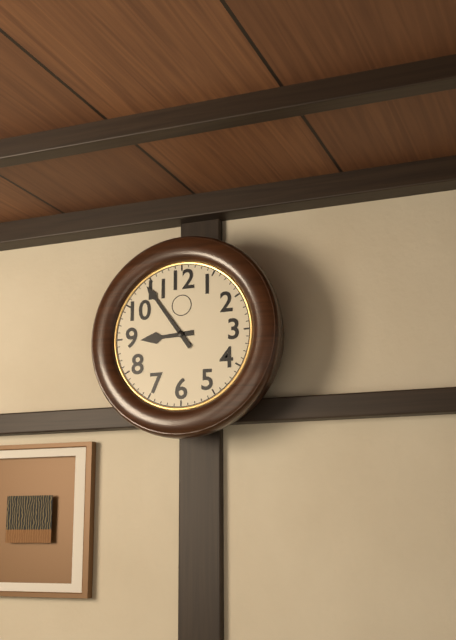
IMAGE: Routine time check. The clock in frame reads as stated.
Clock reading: 8:54
